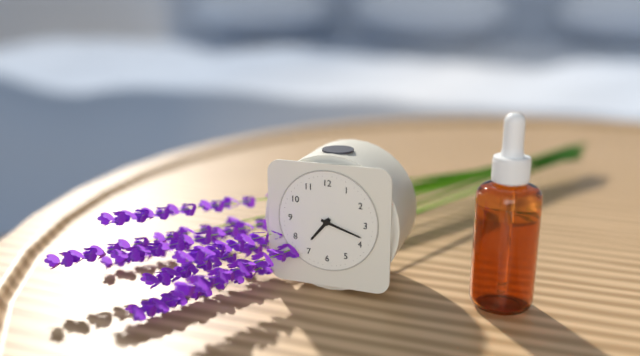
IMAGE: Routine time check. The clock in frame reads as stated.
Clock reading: 7:18
